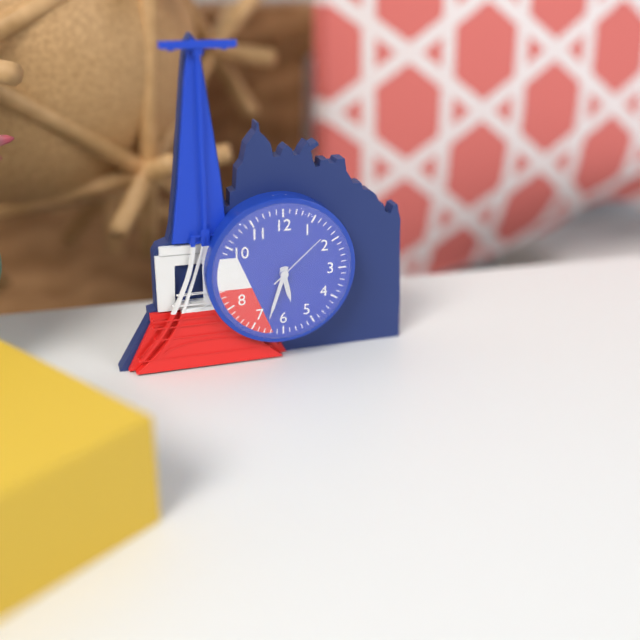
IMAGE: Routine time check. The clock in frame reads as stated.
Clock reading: 5:33:08
